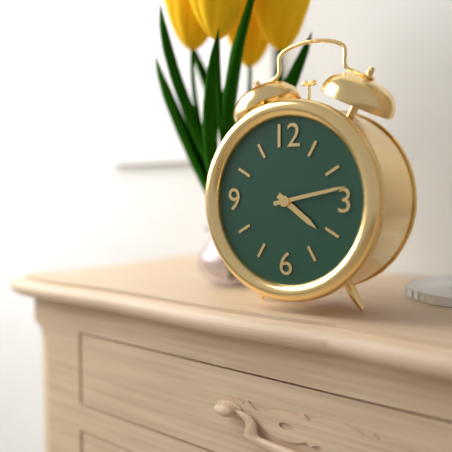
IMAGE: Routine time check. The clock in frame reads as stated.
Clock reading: 4:13
